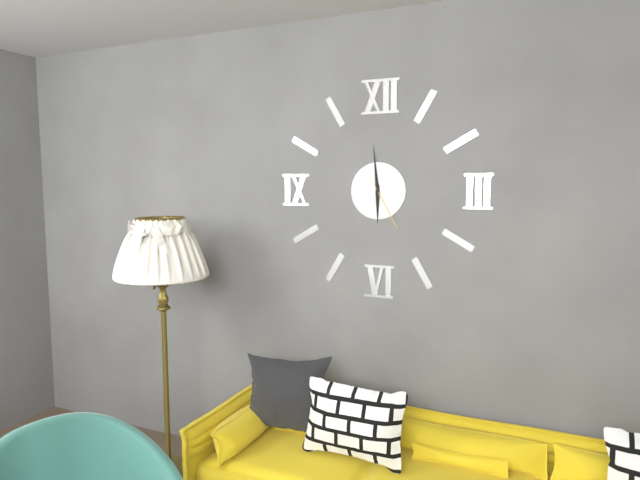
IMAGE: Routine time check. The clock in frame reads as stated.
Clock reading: 5:59:25
